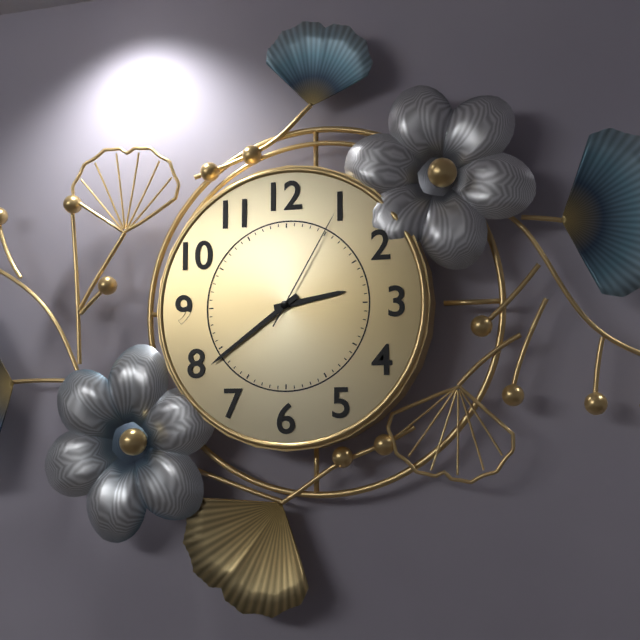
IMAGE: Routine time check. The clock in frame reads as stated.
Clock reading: 2:39:05
